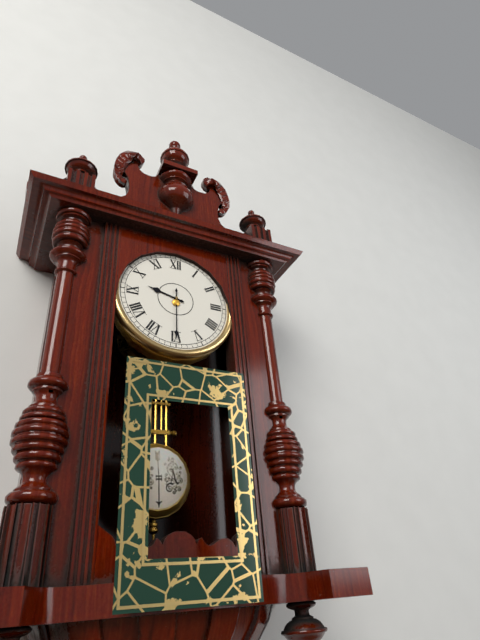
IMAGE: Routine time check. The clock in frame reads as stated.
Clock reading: 9:30
